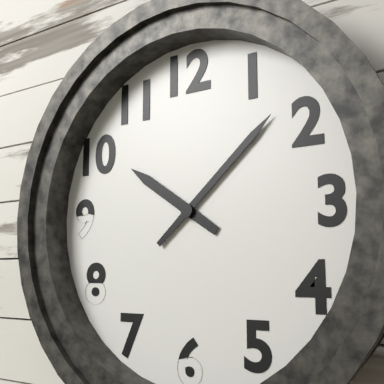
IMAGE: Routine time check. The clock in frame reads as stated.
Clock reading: 10:08
